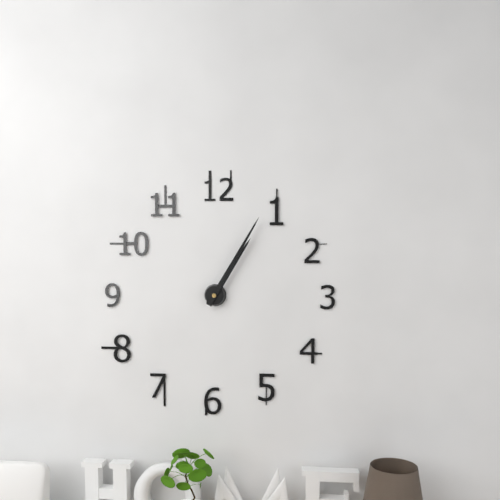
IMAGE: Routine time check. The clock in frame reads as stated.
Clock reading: 1:05
